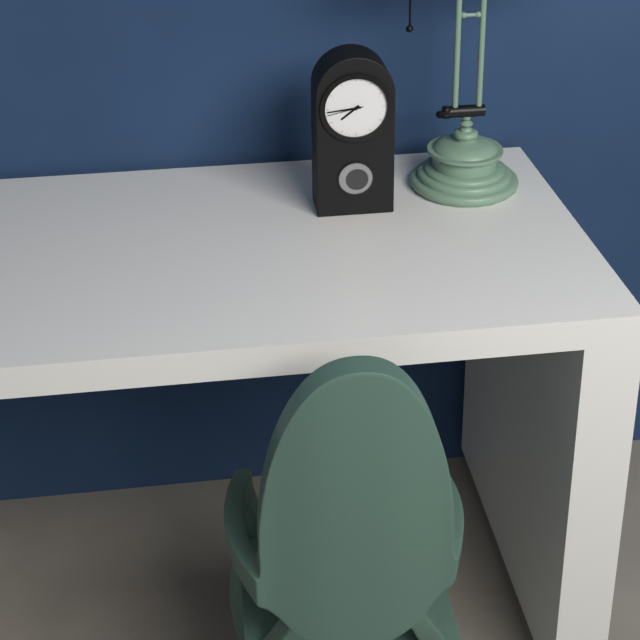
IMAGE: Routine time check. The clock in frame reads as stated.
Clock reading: 7:44
